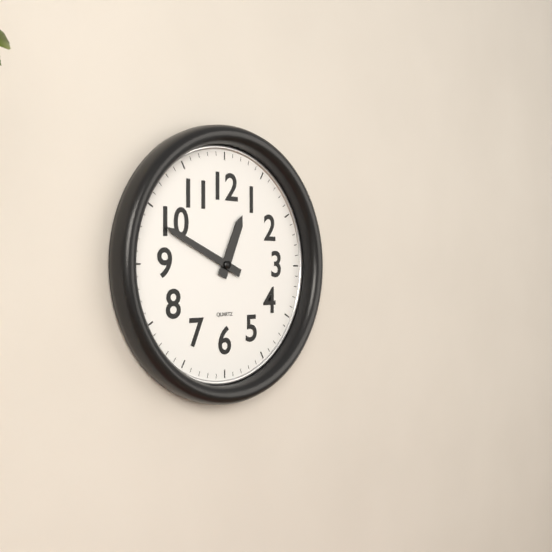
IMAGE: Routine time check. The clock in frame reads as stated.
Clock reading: 12:49
